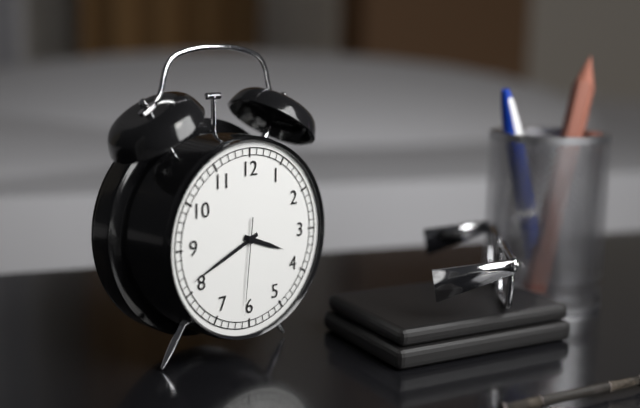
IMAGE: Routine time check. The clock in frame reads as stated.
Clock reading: 3:41:31
